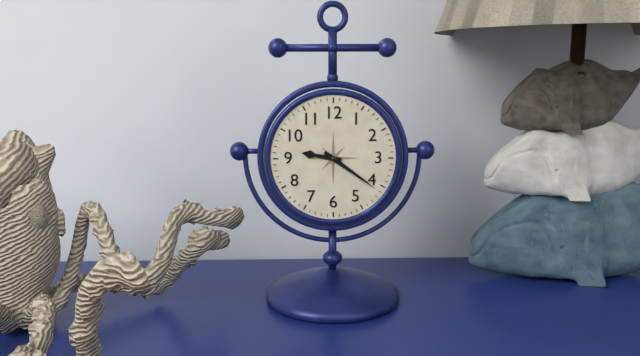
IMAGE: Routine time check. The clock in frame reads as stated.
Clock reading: 9:21
